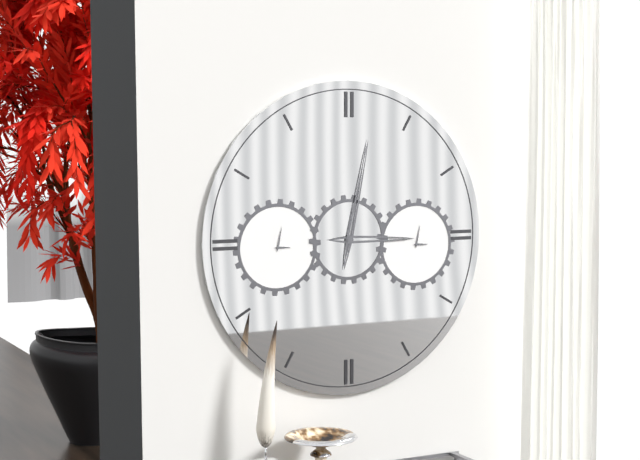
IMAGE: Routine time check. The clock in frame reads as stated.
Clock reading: 3:02
